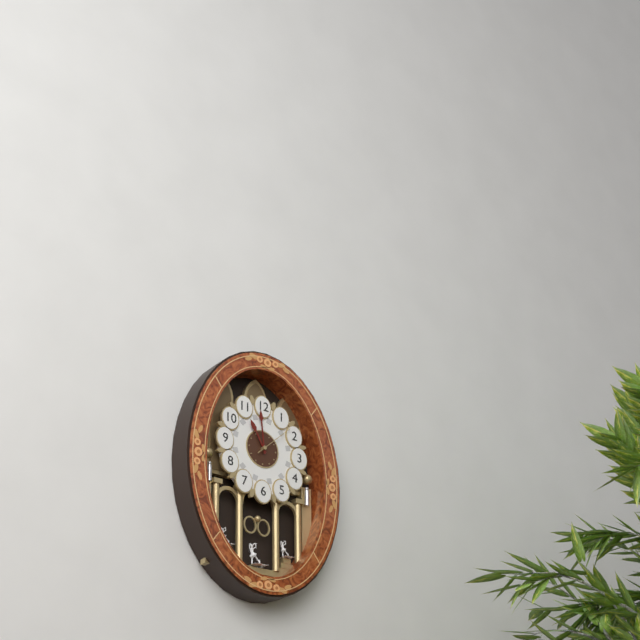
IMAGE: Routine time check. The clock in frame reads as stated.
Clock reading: 10:59
